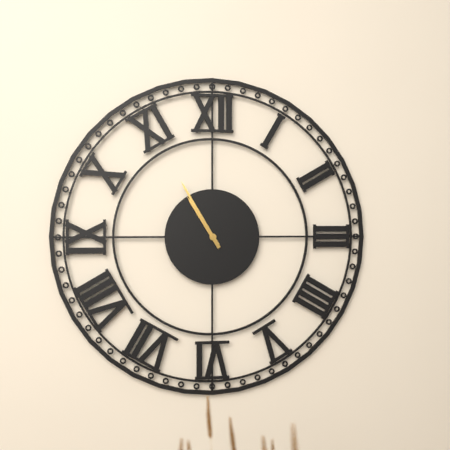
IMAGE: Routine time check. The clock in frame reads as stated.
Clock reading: 10:55
